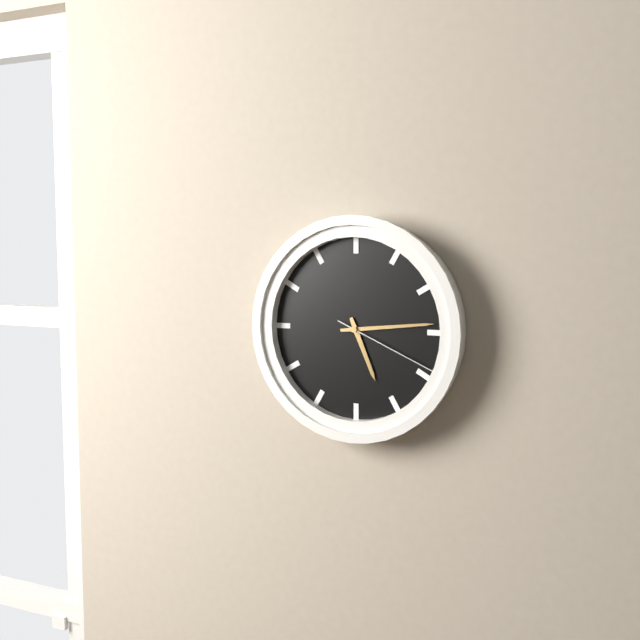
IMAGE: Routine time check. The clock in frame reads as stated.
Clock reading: 5:14:19
